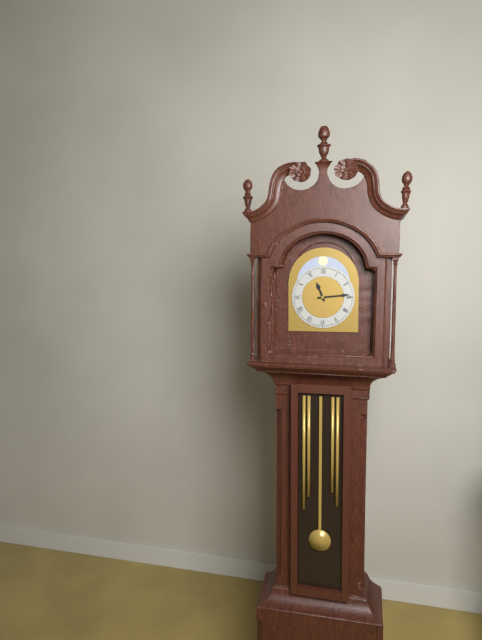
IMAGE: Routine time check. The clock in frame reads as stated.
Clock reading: 11:14
